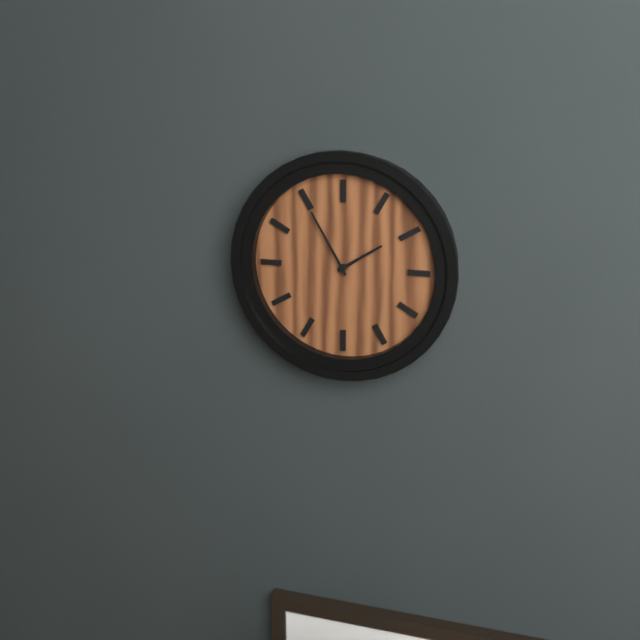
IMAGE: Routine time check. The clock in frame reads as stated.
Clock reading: 1:55
